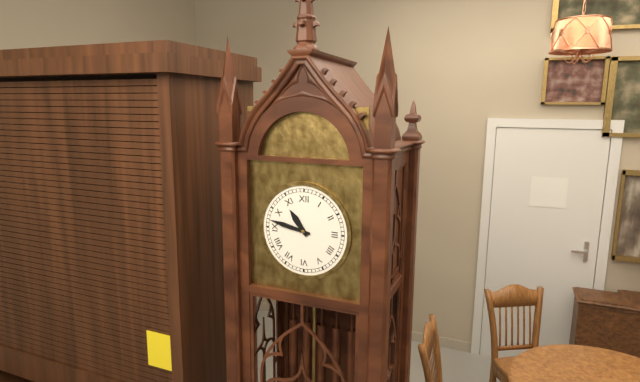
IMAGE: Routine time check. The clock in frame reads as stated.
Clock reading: 10:47
